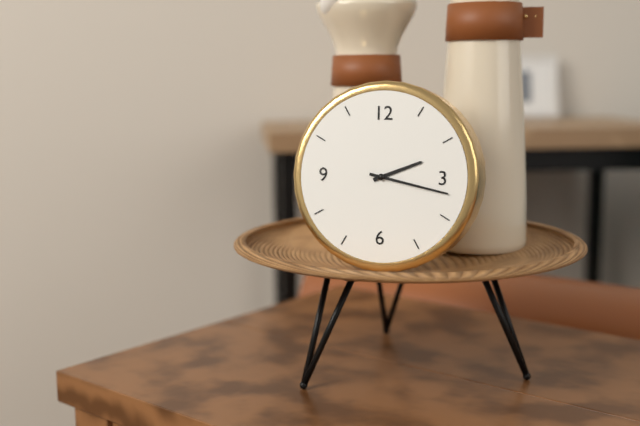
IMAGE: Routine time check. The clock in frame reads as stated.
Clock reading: 2:17
